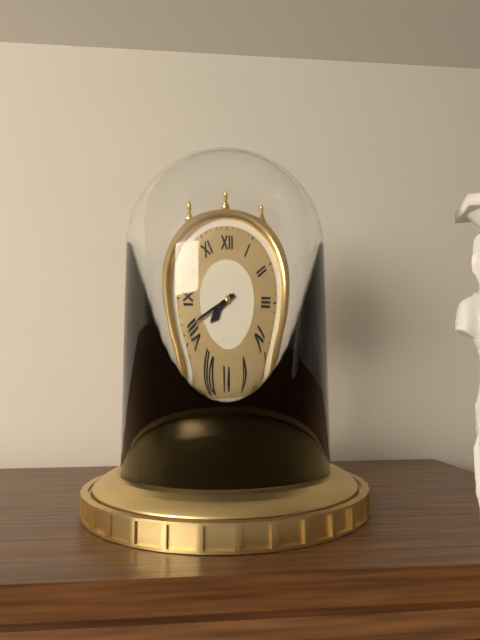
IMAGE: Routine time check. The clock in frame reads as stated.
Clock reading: 7:41
